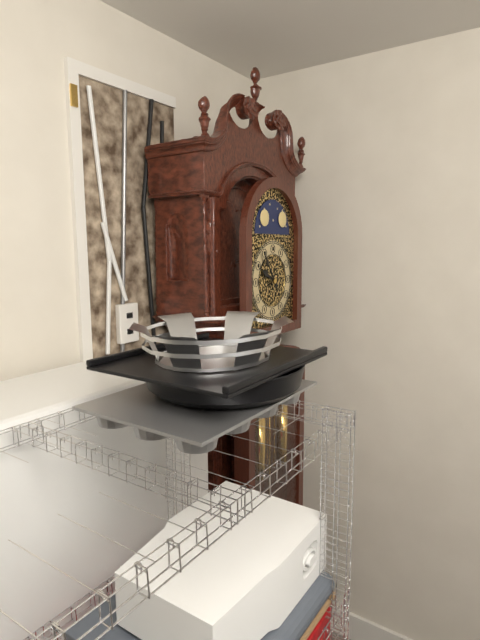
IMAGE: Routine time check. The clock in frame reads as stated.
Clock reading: 9:54
